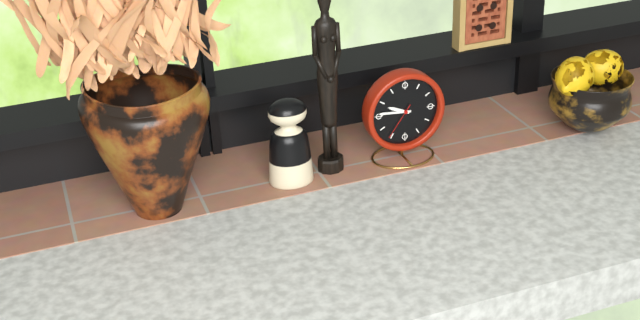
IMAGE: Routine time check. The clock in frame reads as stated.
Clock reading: 9:46
